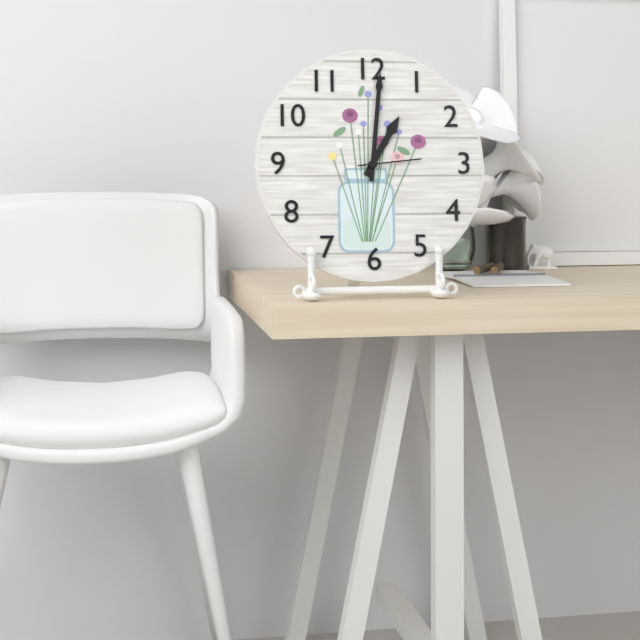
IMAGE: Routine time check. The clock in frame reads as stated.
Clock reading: 1:01:14
